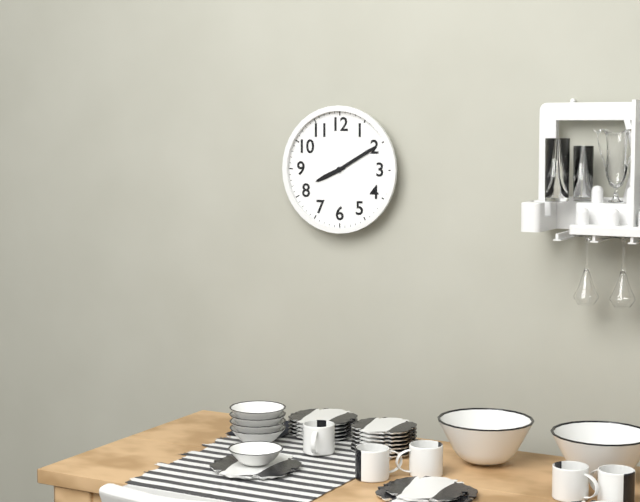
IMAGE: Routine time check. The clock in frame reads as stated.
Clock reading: 8:10
